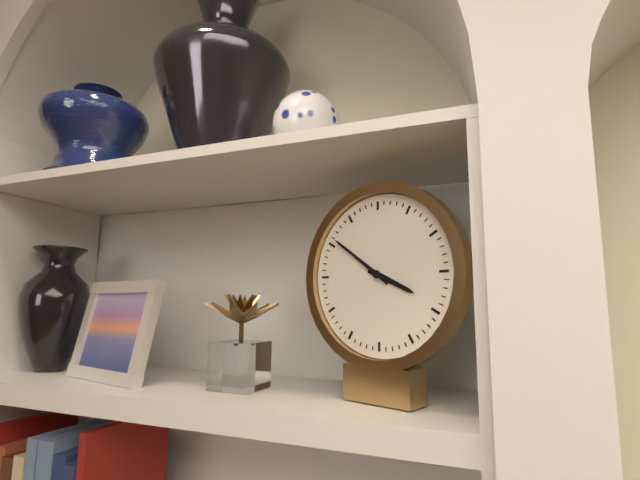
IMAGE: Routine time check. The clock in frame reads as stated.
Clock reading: 3:51
